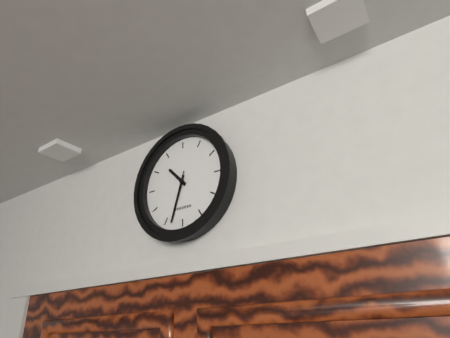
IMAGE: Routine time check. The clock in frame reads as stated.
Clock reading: 10:33:33
